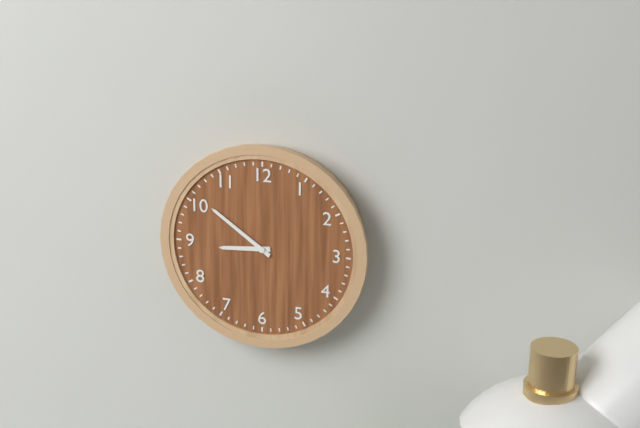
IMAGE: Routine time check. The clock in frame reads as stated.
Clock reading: 8:51
